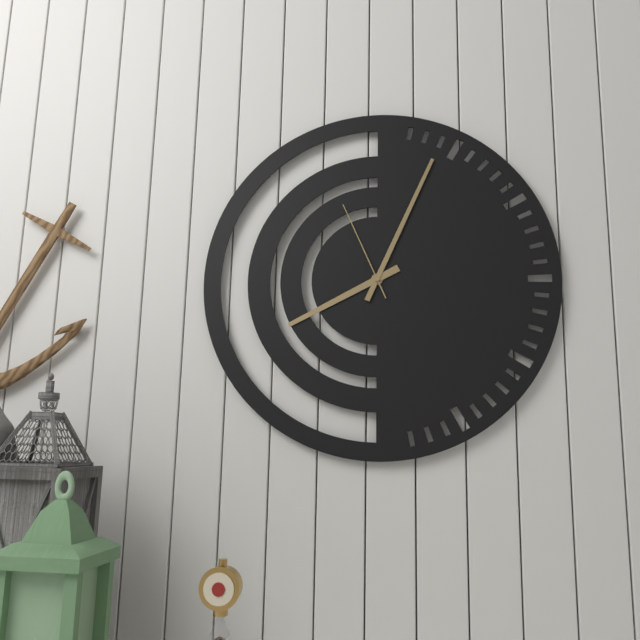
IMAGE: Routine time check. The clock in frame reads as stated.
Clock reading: 8:04:56
